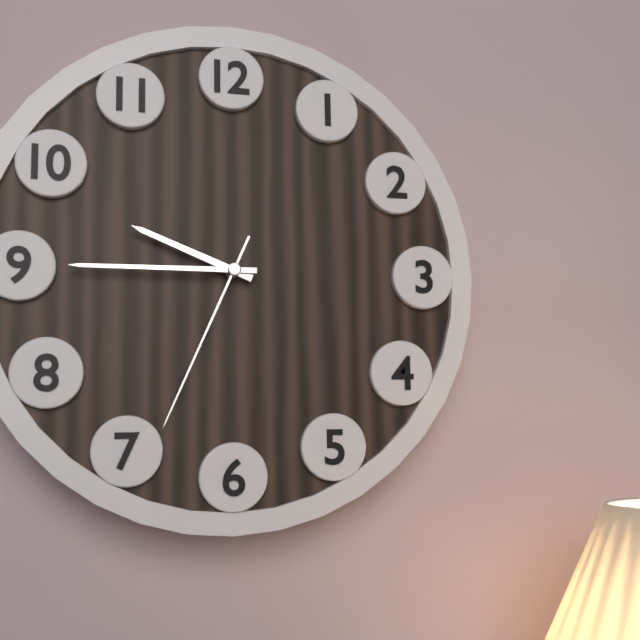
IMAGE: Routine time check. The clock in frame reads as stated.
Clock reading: 9:45:34
